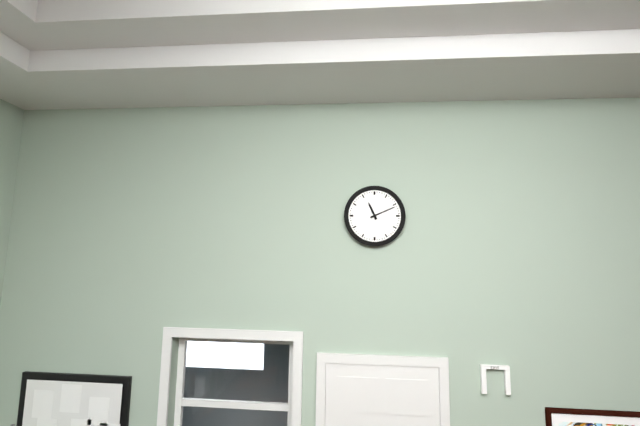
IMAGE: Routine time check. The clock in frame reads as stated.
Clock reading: 11:11
